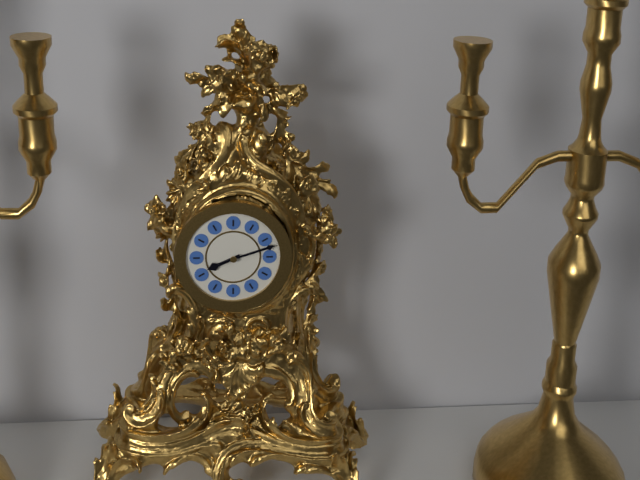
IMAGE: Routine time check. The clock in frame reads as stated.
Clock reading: 8:12
